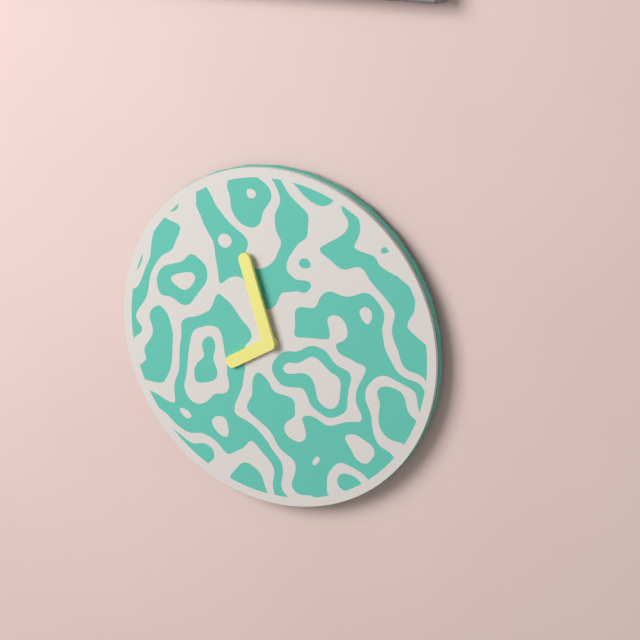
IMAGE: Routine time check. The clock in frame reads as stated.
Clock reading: 7:57
